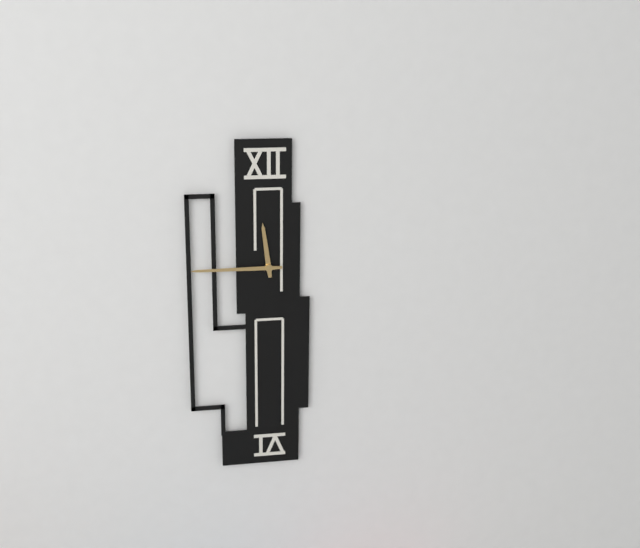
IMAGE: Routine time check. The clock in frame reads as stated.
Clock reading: 11:45
